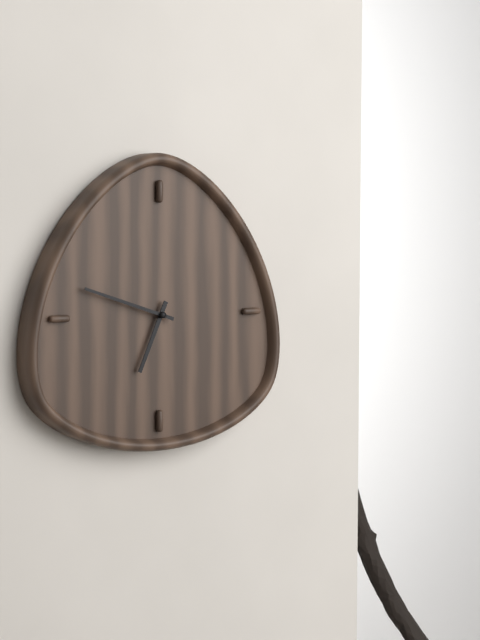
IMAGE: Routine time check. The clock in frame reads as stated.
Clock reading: 6:48
